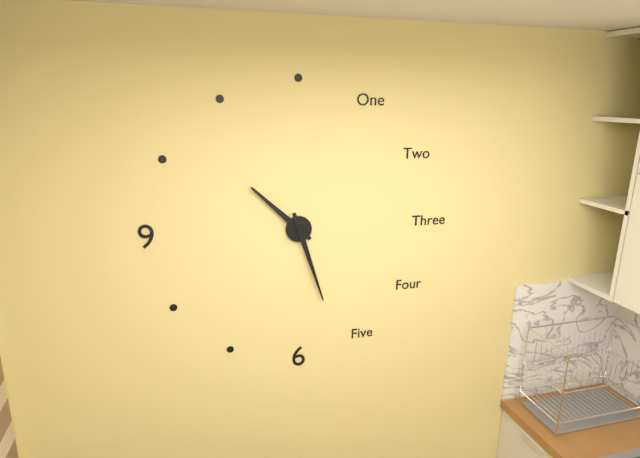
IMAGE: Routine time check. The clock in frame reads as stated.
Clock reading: 10:27
